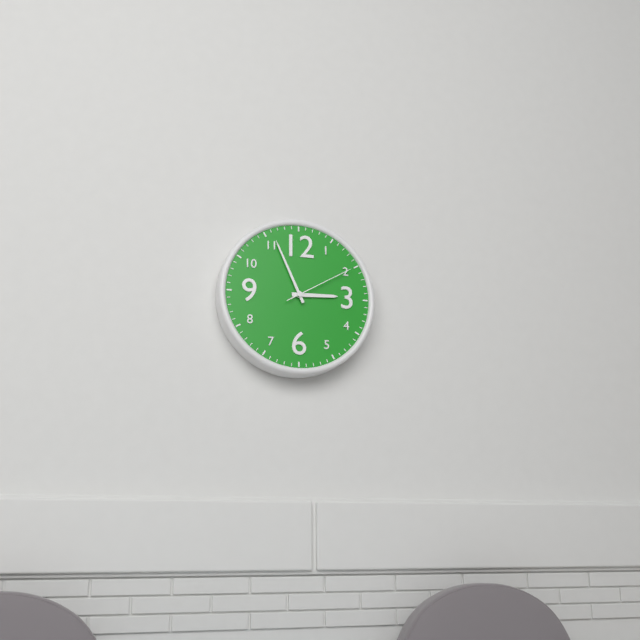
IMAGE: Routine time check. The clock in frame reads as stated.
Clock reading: 2:56:10
